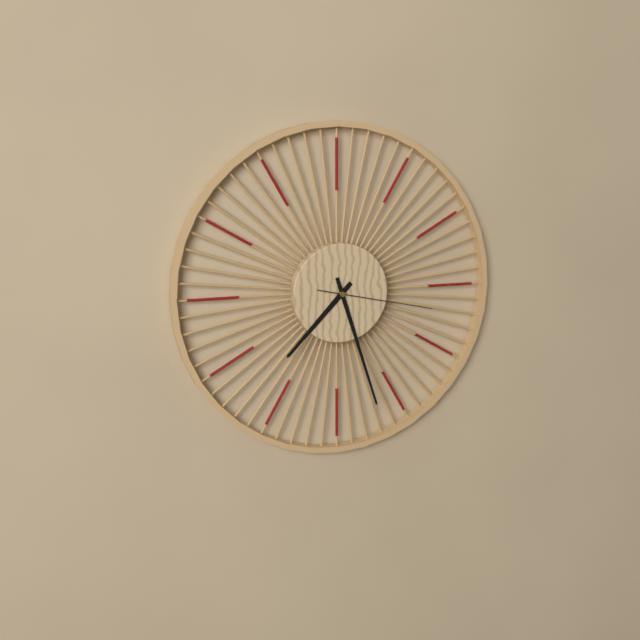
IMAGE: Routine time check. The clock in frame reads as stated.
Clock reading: 7:27:17
